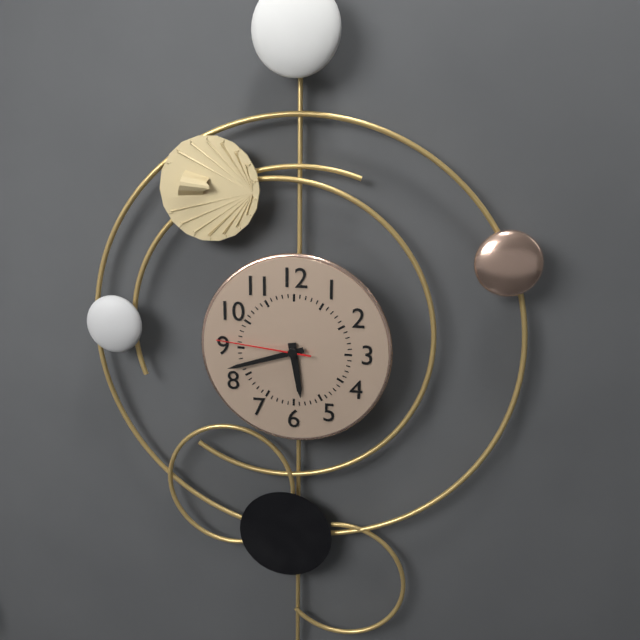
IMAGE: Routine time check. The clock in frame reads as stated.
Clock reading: 5:42:46
